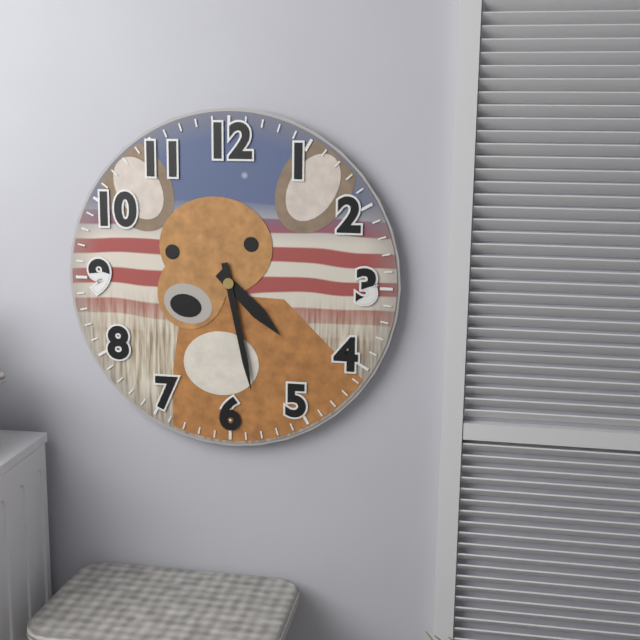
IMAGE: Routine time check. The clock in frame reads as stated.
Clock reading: 4:28
